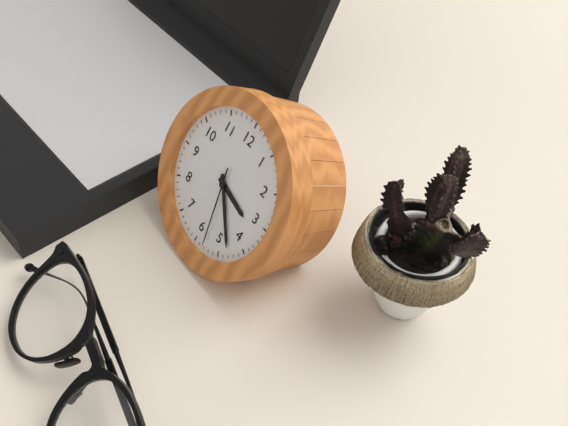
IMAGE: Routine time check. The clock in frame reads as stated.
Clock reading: 3:23:28
